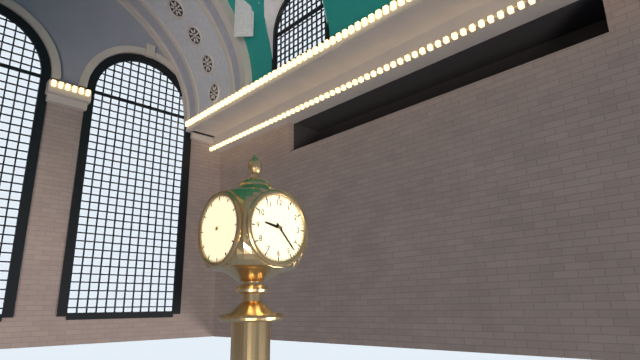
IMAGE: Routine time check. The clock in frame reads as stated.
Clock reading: 9:23
